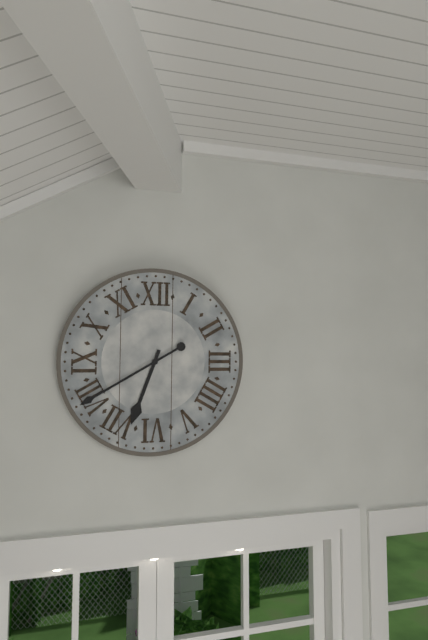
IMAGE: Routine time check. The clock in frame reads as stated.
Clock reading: 6:40
